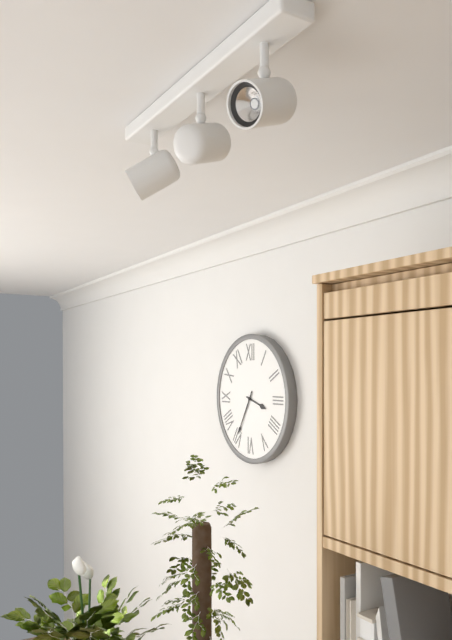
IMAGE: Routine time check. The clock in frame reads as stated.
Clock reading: 3:35
